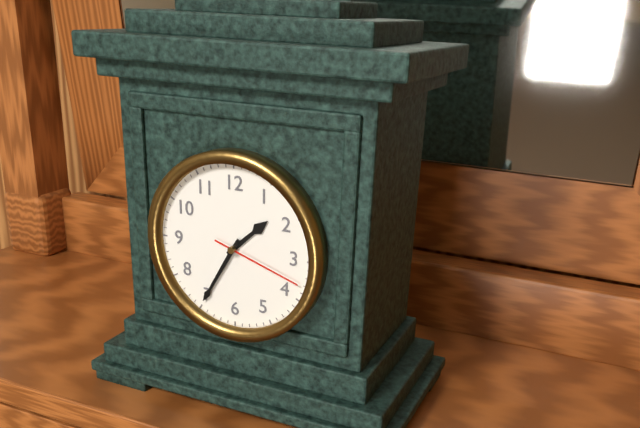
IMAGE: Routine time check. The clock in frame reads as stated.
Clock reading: 1:35:18
